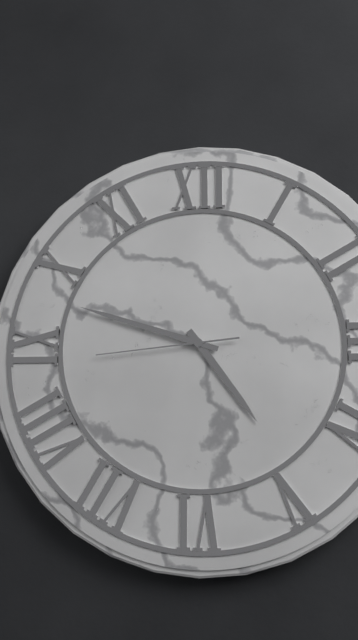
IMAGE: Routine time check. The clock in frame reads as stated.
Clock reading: 4:48:44
